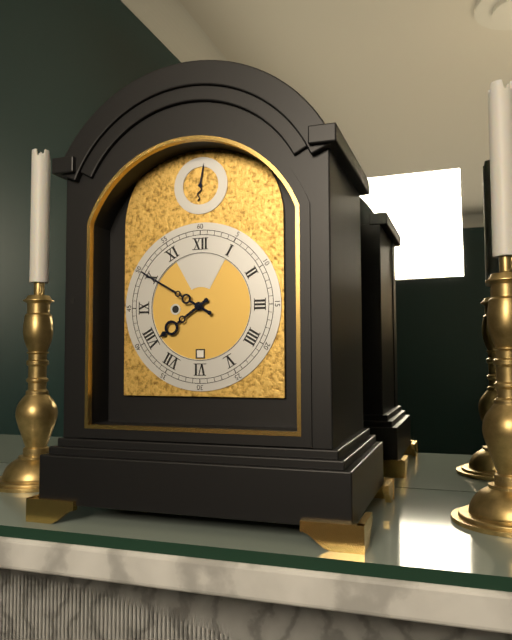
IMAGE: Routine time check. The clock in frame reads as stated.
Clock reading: 7:50
